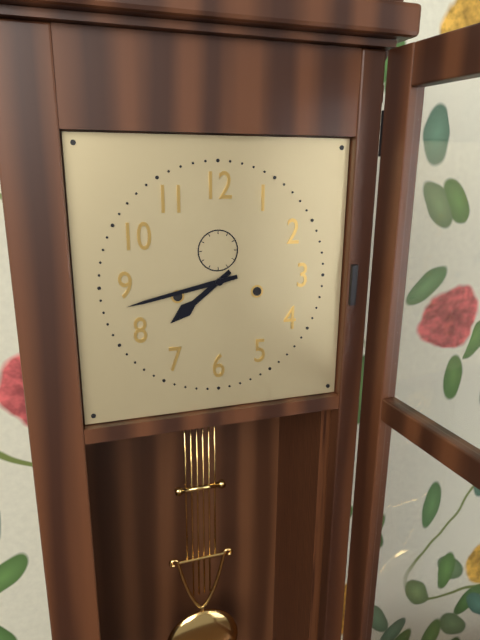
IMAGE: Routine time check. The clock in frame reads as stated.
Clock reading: 7:43
